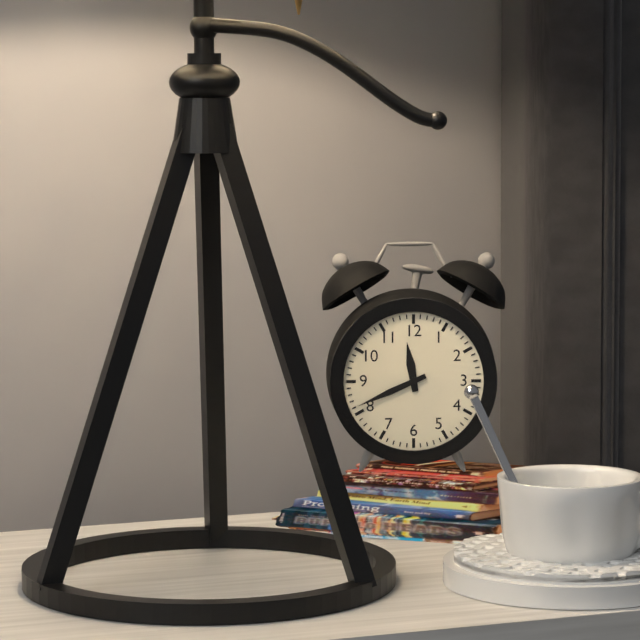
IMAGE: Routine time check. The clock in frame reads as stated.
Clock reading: 11:41
